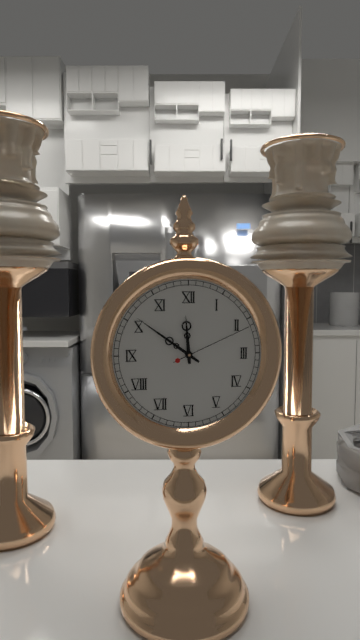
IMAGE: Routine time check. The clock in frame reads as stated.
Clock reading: 11:51:11
